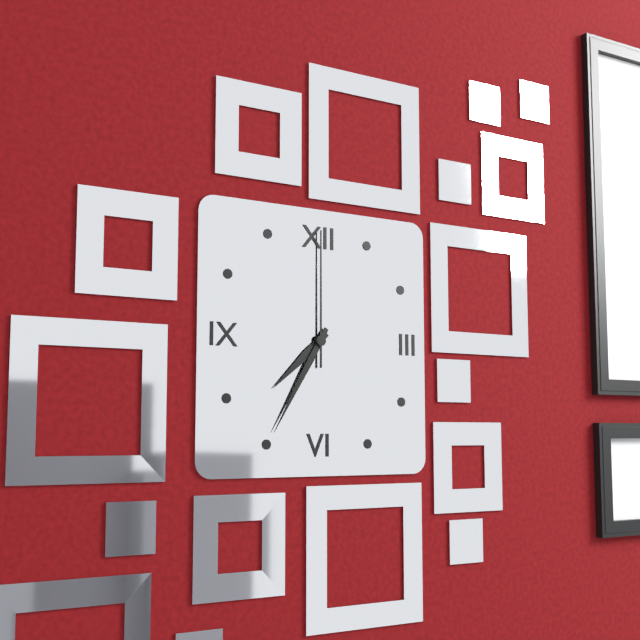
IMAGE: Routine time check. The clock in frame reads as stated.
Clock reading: 7:35:00
